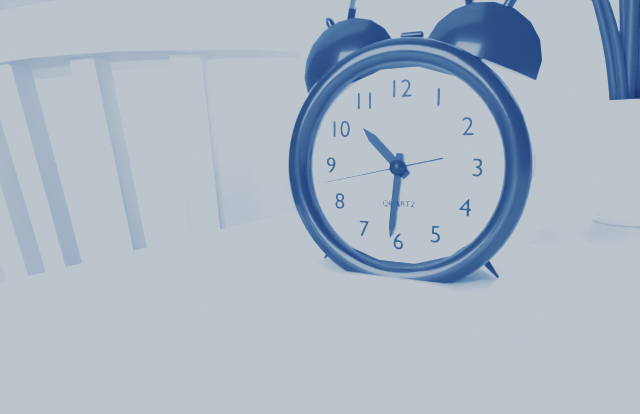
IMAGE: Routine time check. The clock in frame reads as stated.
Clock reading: 10:31:43
